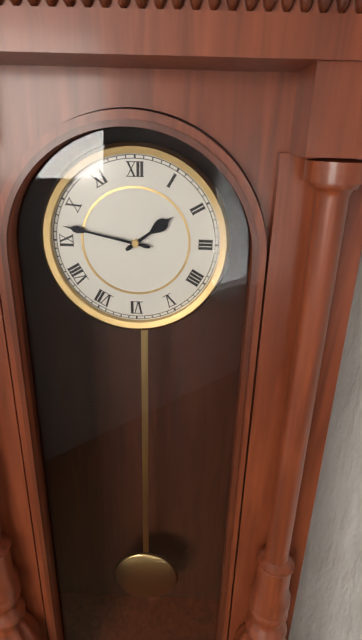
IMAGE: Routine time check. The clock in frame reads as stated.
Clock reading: 1:47
